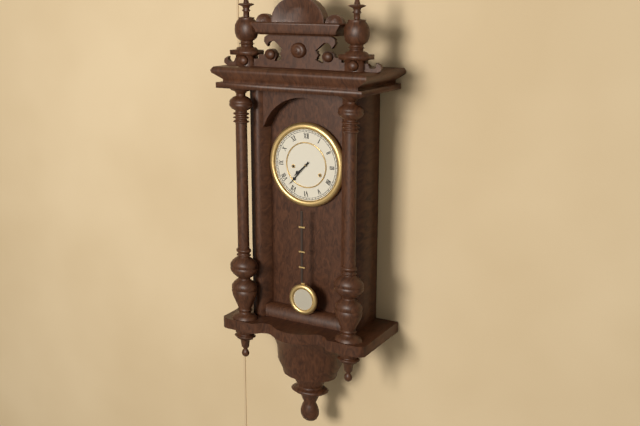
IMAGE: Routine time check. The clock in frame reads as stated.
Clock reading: 7:37
